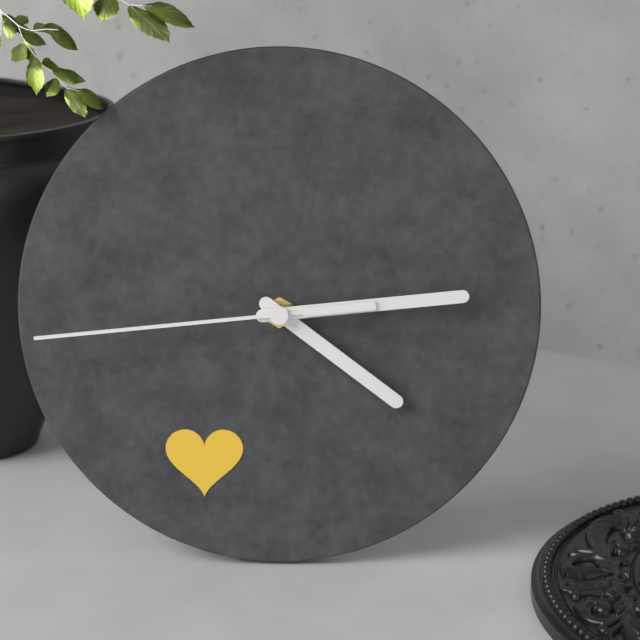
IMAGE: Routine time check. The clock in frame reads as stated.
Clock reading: 4:14:44
